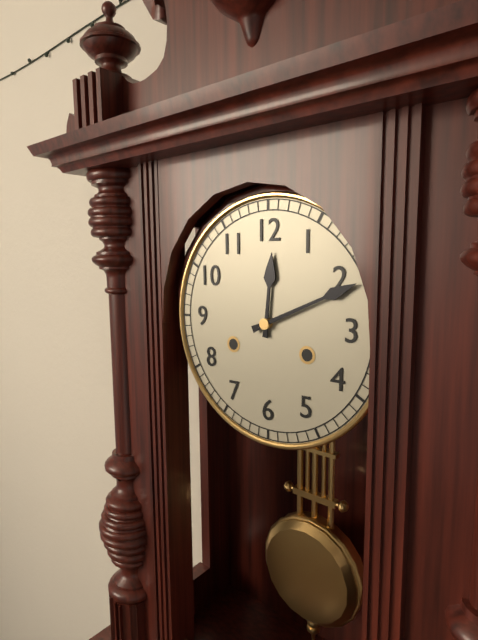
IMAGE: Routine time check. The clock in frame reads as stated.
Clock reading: 12:11
